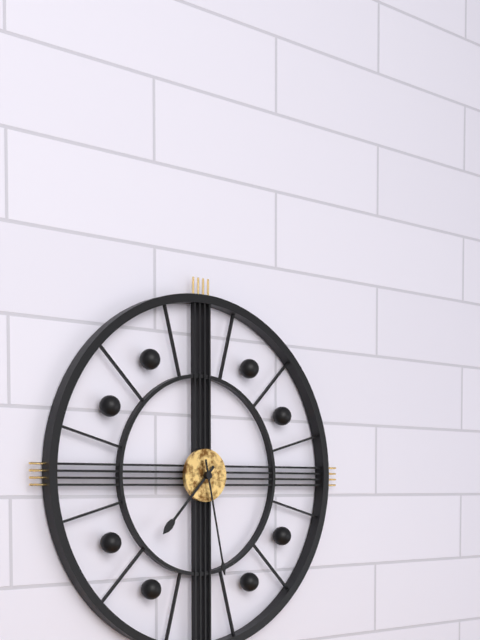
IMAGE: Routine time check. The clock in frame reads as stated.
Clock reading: 7:28
